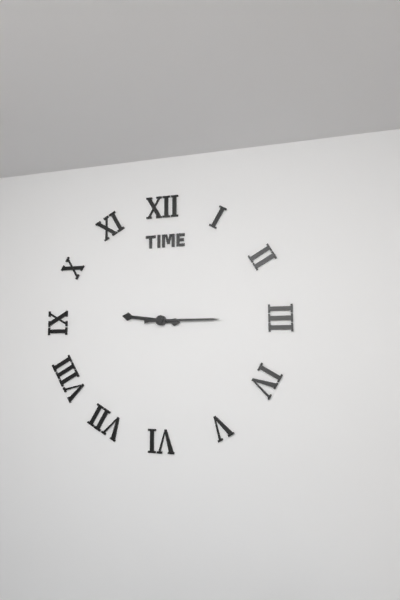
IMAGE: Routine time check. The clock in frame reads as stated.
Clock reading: 9:15
